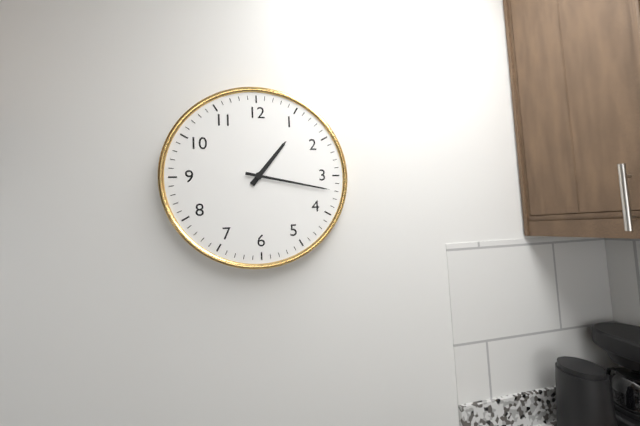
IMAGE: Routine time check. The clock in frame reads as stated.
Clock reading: 1:17
